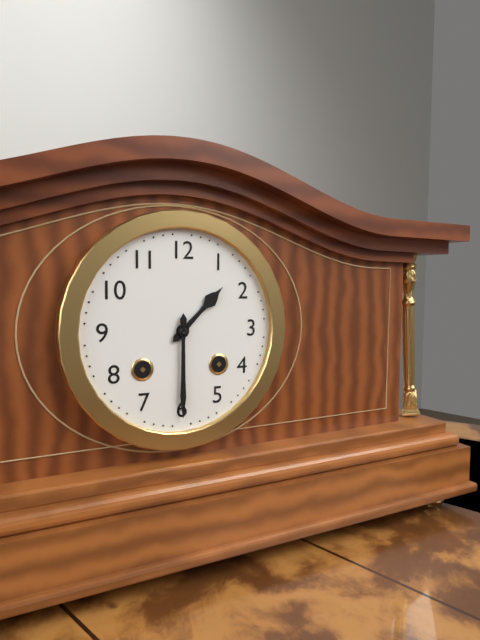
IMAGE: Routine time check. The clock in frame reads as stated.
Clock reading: 1:30
